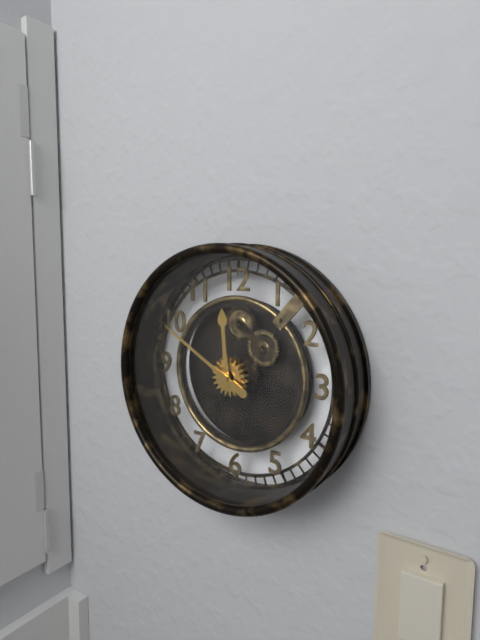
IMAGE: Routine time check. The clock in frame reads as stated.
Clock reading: 11:50
